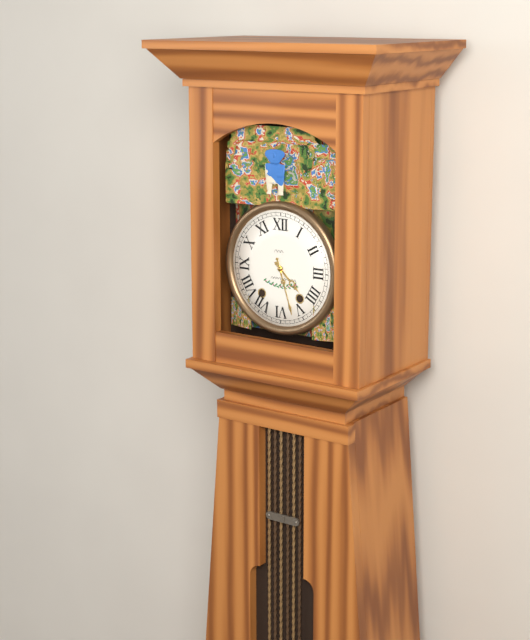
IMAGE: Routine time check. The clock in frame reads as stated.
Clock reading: 4:27
